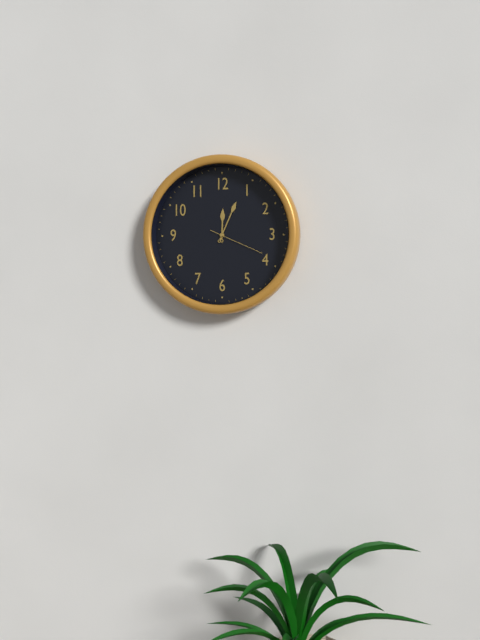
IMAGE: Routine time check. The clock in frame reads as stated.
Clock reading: 12:04:19
